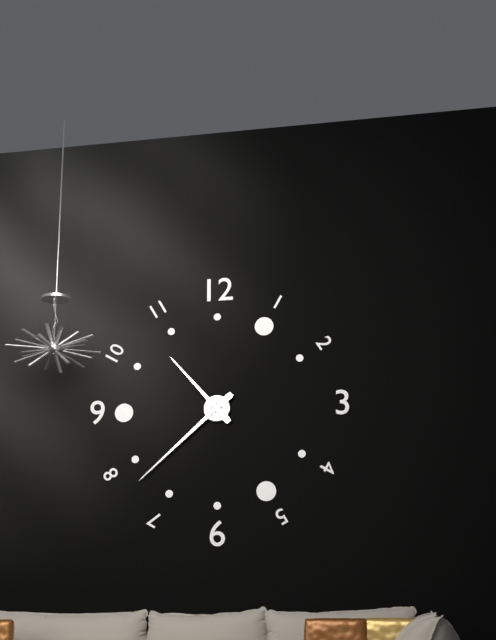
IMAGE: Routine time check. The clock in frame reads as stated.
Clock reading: 10:38
